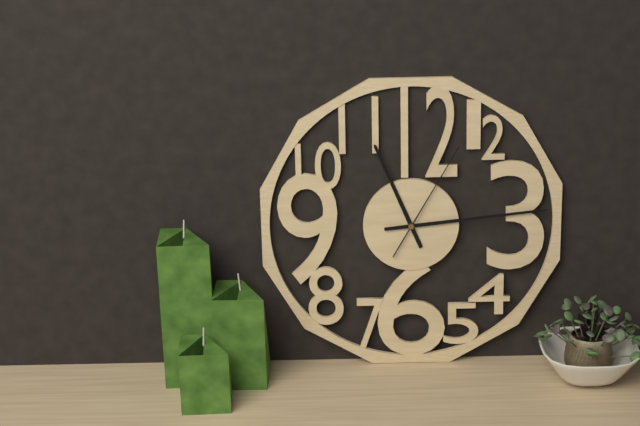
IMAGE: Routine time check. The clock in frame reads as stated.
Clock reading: 11:14:05
